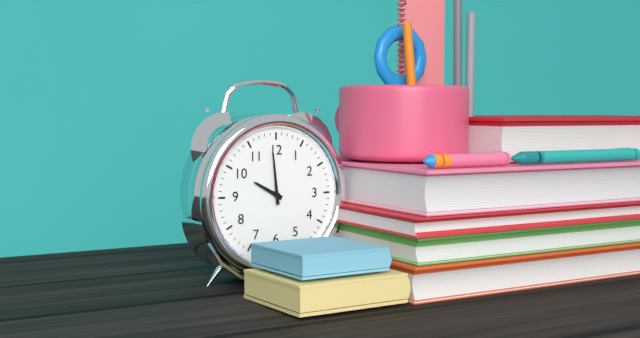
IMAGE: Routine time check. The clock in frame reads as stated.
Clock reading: 9:59
